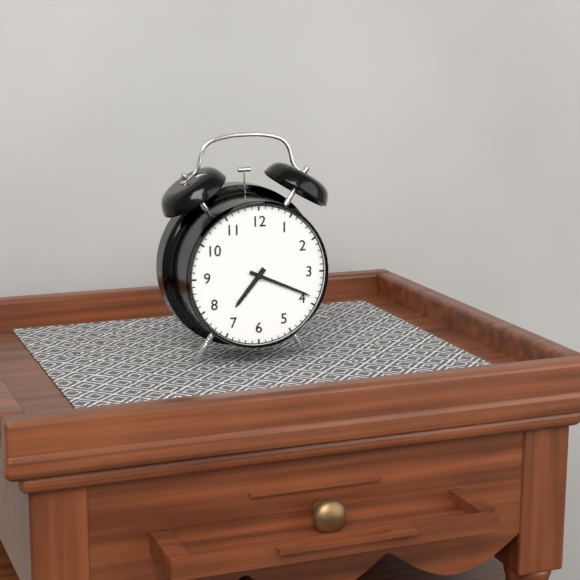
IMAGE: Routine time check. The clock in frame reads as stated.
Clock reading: 7:19
